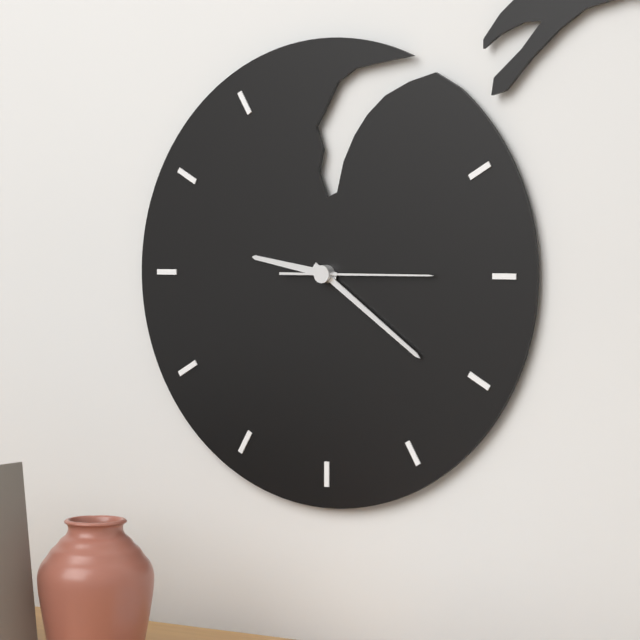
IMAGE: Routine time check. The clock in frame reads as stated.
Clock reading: 9:21:15
